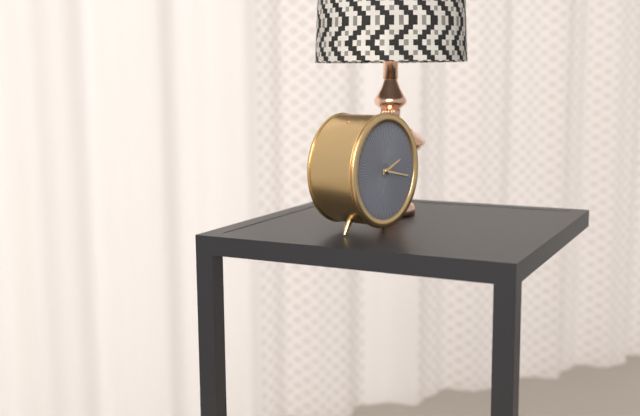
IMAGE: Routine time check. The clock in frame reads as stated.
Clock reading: 2:17
